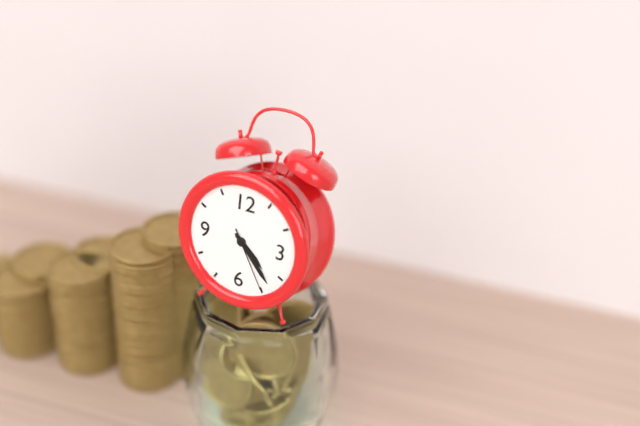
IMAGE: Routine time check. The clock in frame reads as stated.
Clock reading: 4:23:25
